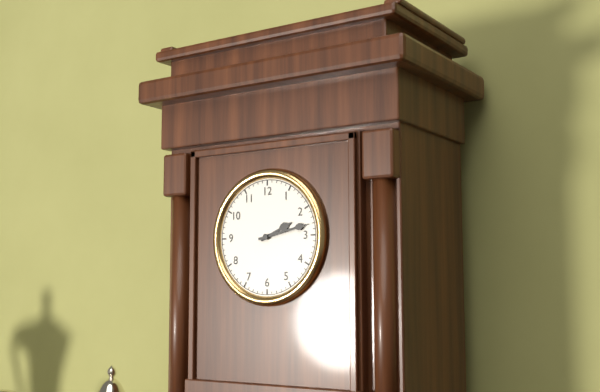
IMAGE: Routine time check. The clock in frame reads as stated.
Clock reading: 2:13
